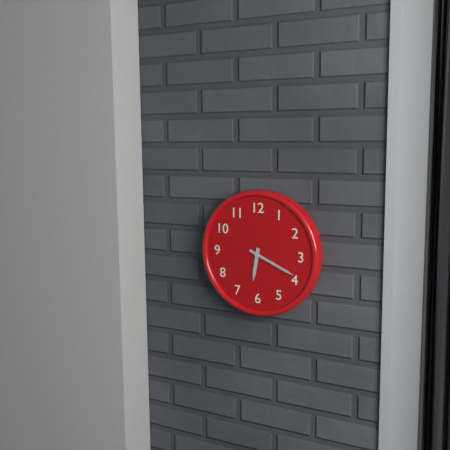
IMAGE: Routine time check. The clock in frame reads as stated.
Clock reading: 6:19
